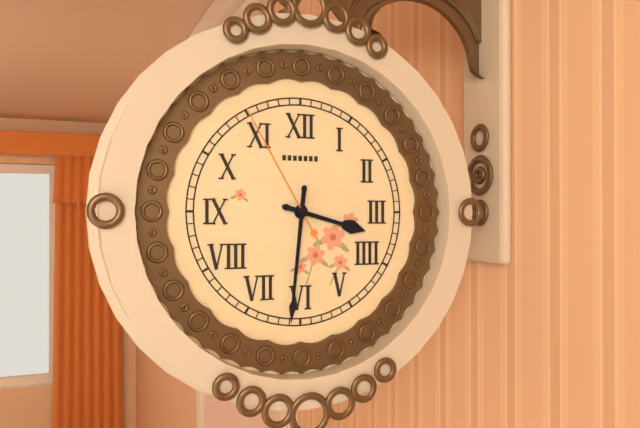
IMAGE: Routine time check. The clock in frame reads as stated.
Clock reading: 3:31:55
